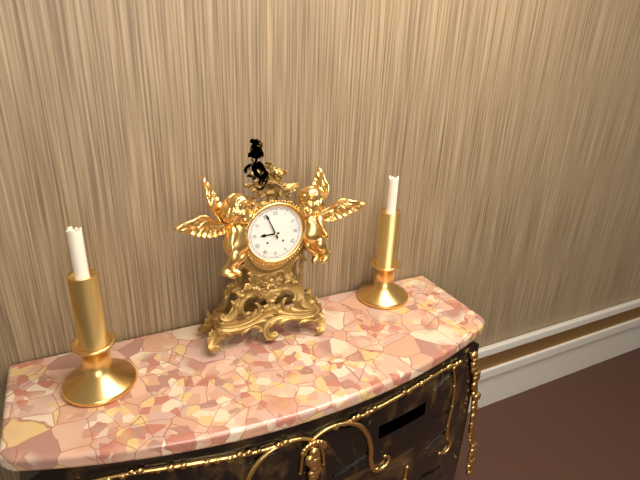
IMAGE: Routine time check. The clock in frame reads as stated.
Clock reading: 8:56
